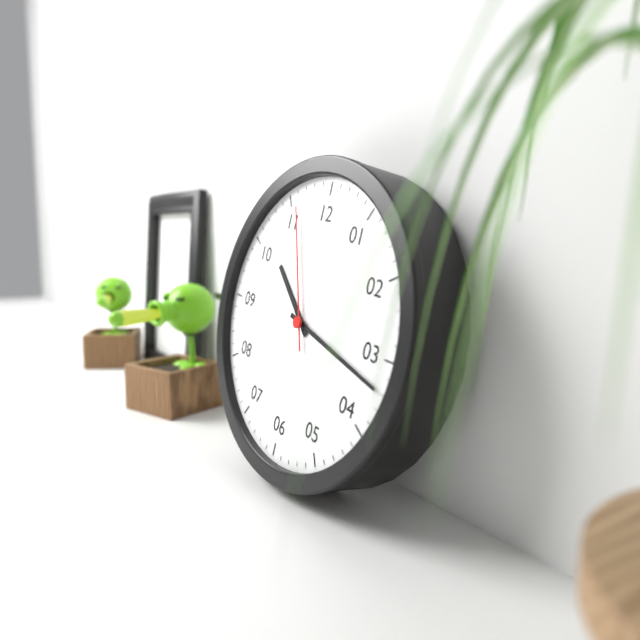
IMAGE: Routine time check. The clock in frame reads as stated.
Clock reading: 10:17:56
